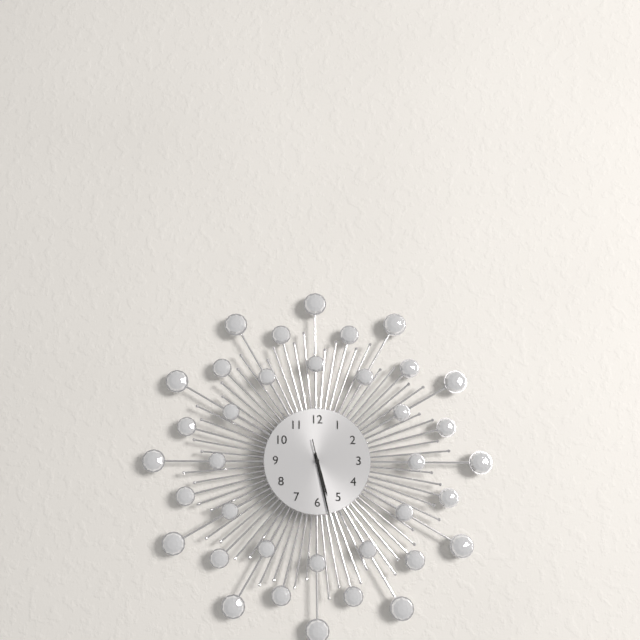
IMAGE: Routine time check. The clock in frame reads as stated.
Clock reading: 5:28:28
